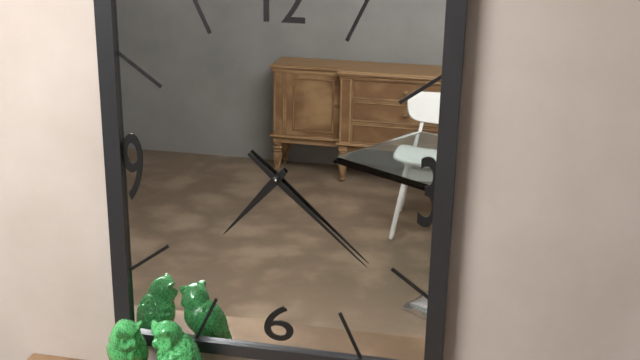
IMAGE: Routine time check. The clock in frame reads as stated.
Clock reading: 7:22
